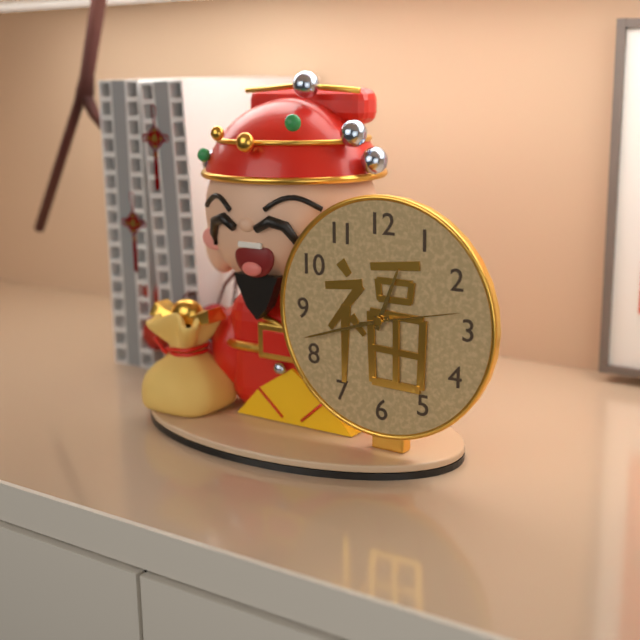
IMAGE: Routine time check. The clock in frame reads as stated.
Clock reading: 12:42:13
